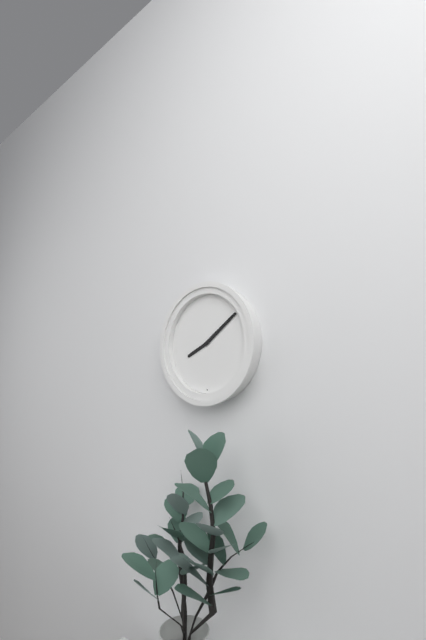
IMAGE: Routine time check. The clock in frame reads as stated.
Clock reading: 8:09
